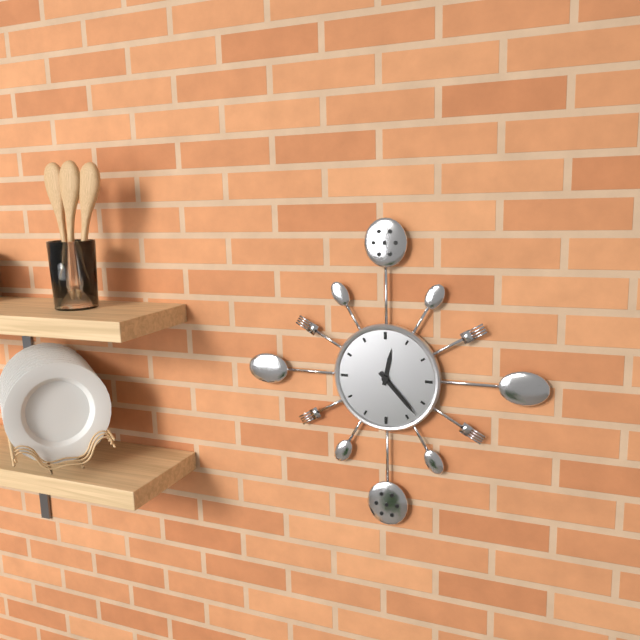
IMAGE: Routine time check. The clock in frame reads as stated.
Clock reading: 12:23
